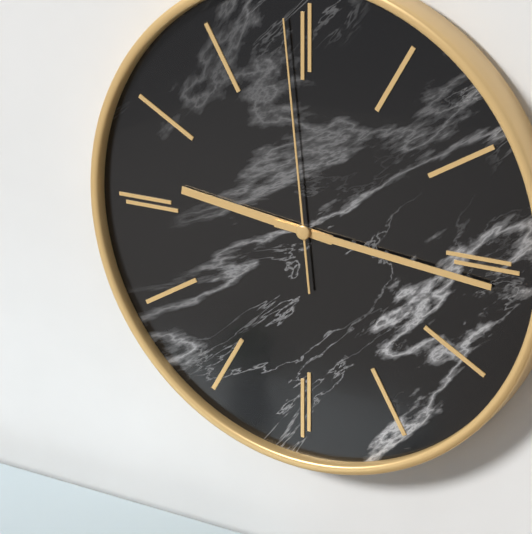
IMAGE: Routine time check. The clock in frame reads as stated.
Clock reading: 9:16:59
